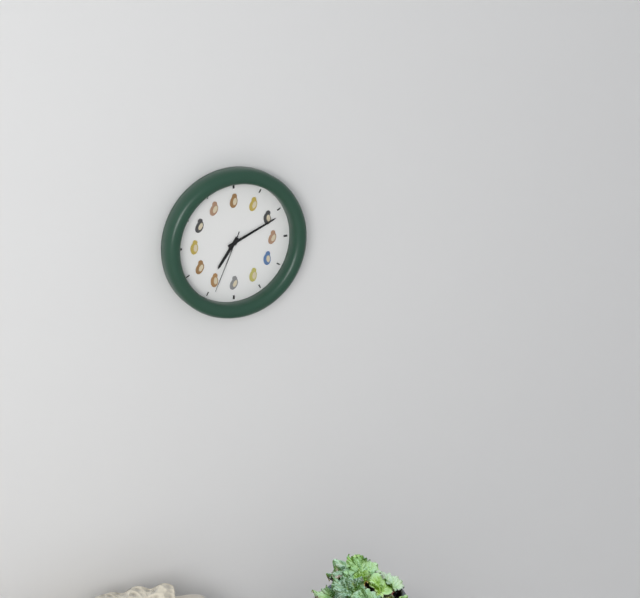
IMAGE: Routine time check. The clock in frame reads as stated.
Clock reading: 7:11:34
